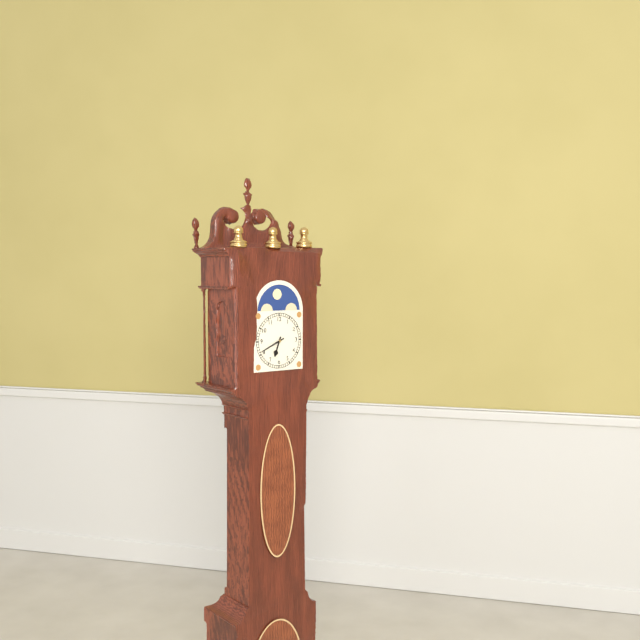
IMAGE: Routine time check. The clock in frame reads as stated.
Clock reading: 6:41
